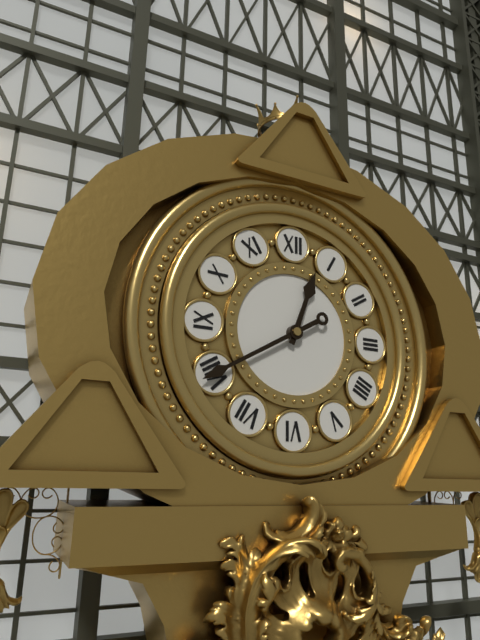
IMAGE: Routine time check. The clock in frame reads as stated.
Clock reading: 12:40
